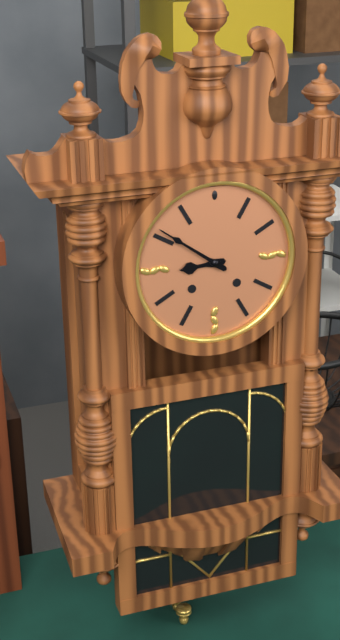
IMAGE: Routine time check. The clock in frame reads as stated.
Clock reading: 8:51
